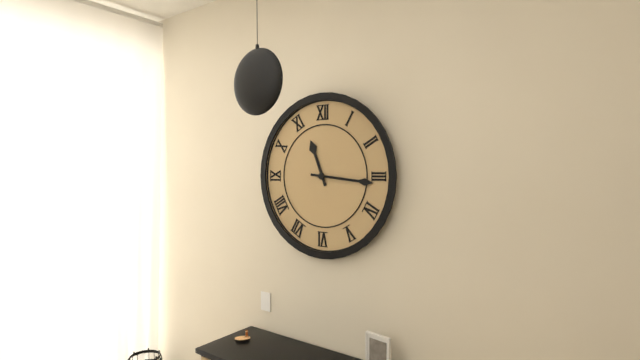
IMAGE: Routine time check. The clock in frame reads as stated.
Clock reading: 11:16
